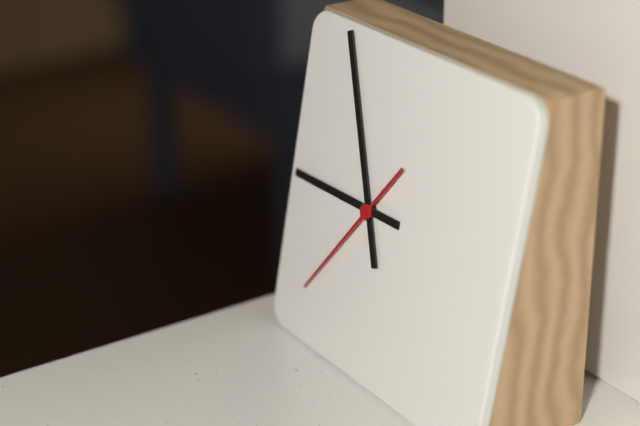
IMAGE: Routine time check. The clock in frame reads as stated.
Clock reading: 8:56:36
